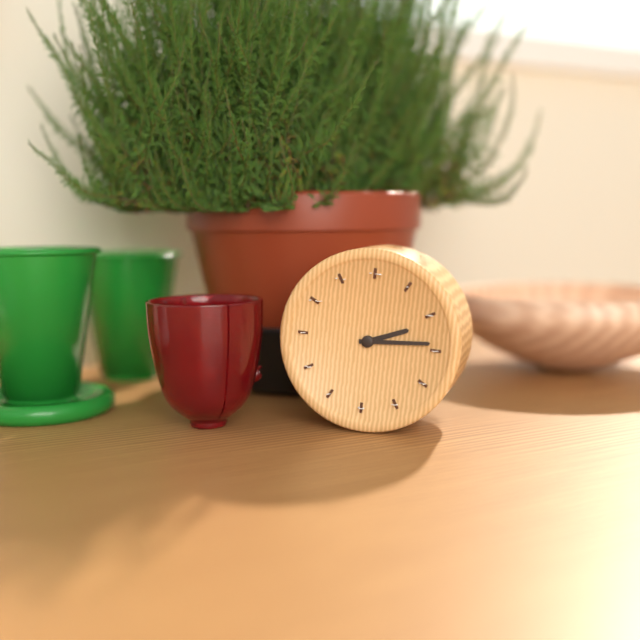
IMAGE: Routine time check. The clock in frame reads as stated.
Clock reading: 2:14
